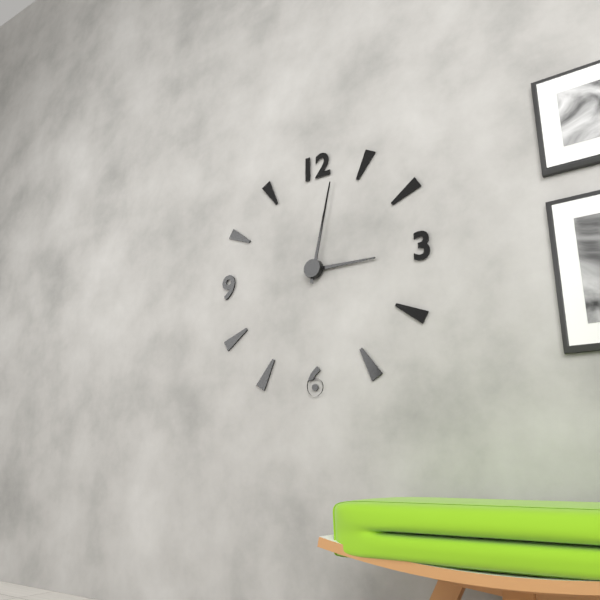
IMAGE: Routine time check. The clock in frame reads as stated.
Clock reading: 3:02
